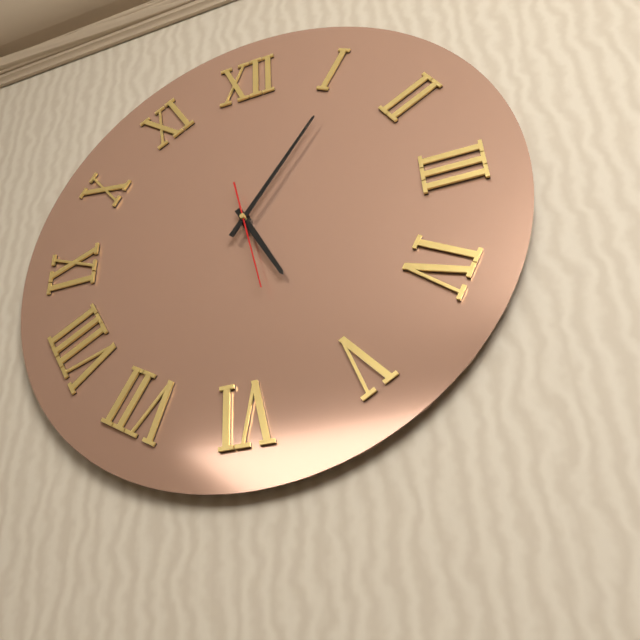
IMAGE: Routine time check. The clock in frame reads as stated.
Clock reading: 5:06:28
